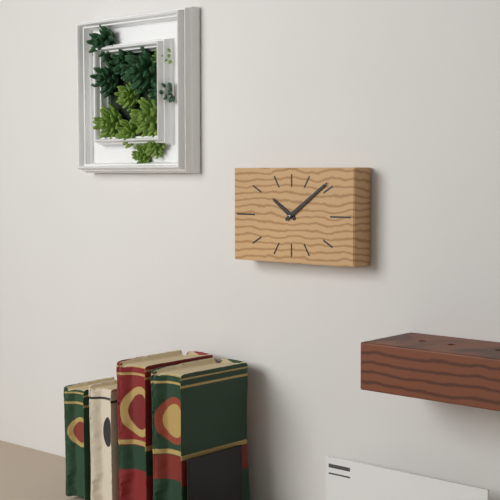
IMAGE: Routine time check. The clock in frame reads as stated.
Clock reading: 10:09
